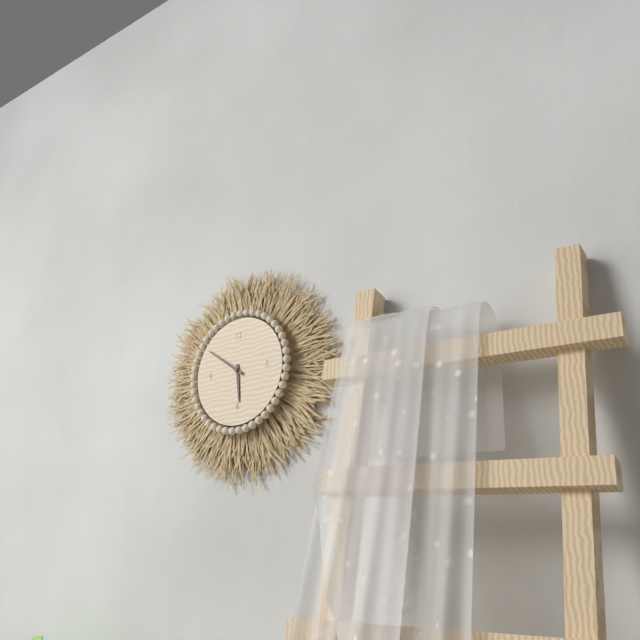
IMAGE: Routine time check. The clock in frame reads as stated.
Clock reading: 5:51
